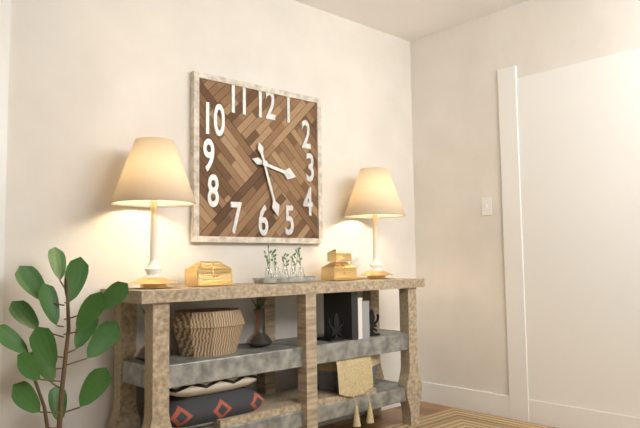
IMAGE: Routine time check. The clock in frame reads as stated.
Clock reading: 3:27
